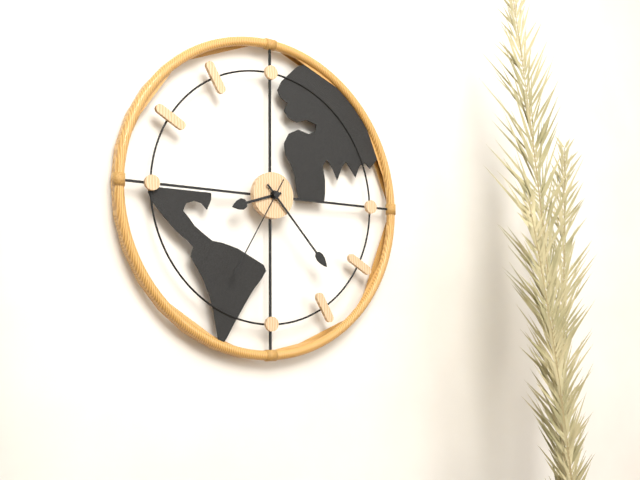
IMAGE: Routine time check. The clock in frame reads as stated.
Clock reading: 8:23:35
